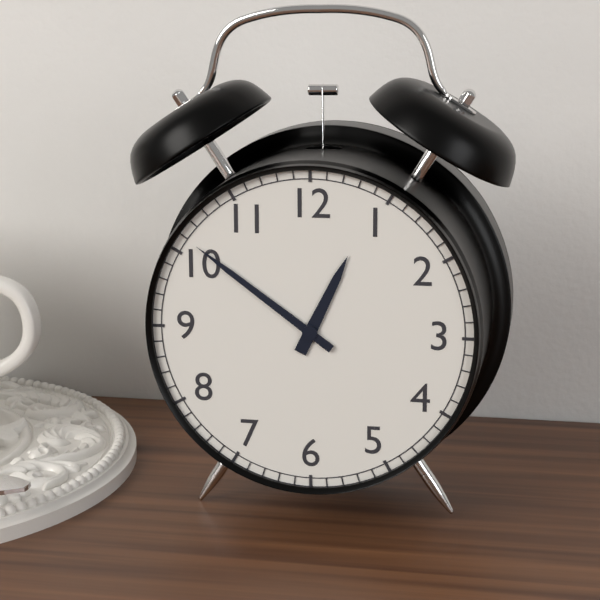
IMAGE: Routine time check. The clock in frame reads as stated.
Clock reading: 12:51
